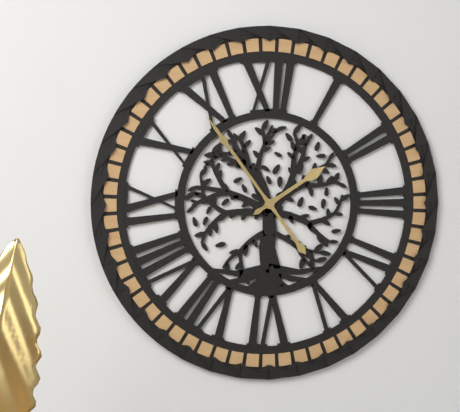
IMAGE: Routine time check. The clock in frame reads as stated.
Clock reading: 1:54
